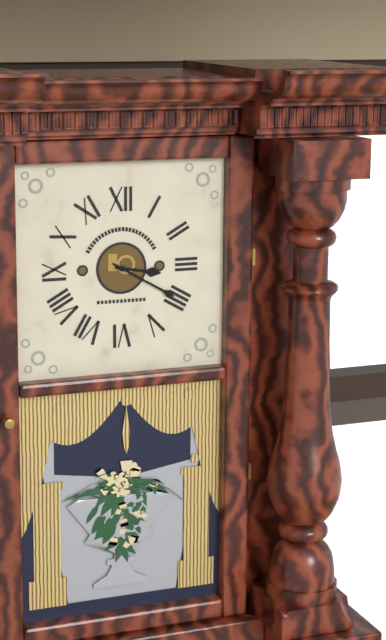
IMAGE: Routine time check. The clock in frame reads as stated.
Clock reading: 3:20
